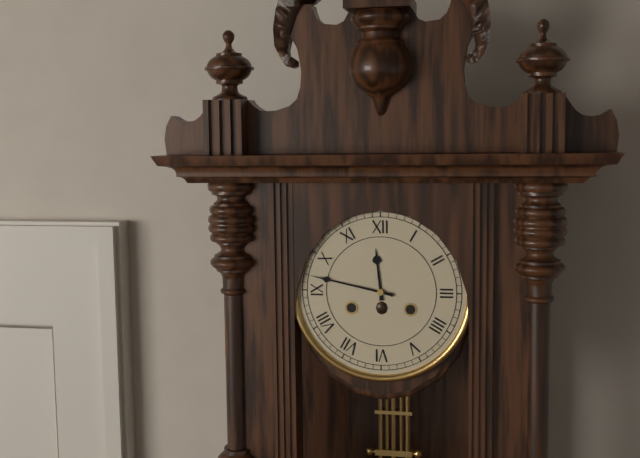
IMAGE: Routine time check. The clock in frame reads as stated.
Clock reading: 11:47
